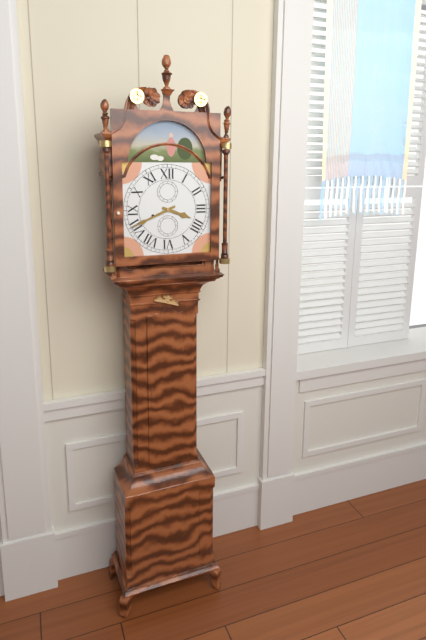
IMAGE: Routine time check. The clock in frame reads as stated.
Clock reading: 3:41
